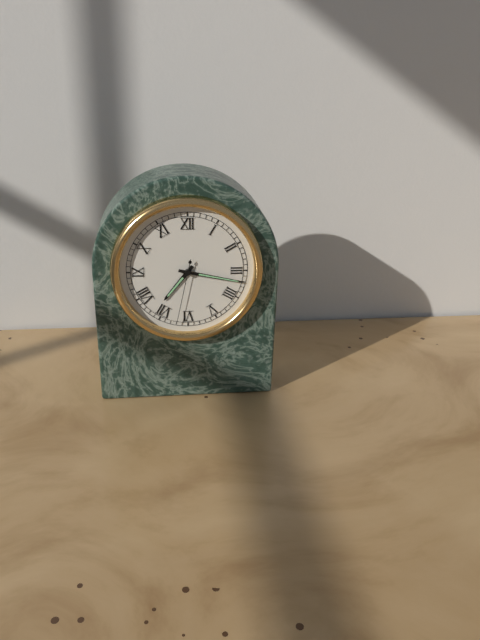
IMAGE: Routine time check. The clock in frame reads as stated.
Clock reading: 7:17:32
